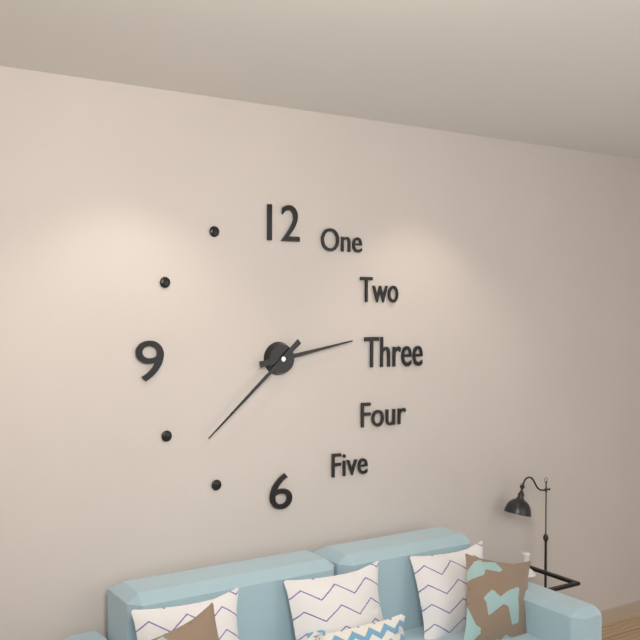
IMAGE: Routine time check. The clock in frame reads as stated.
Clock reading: 2:38
